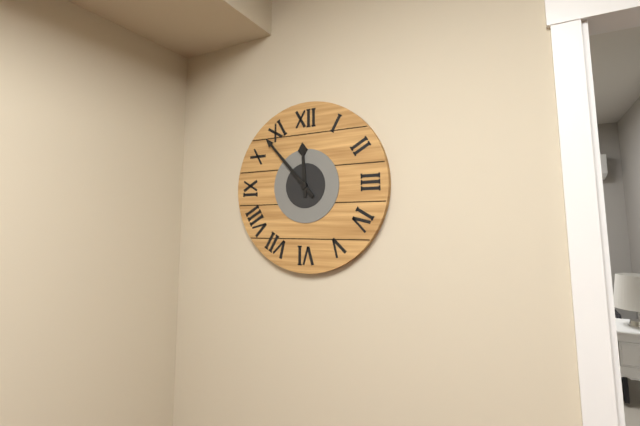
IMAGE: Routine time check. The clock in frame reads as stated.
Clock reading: 11:53
